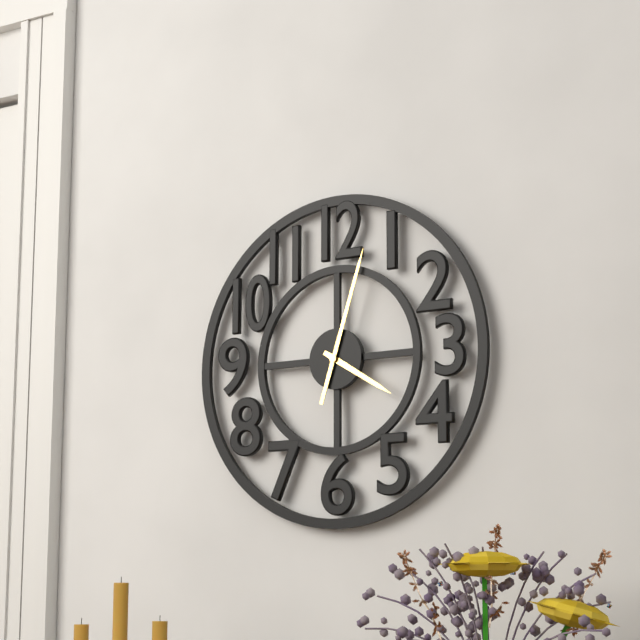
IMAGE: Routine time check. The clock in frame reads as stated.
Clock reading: 4:03
